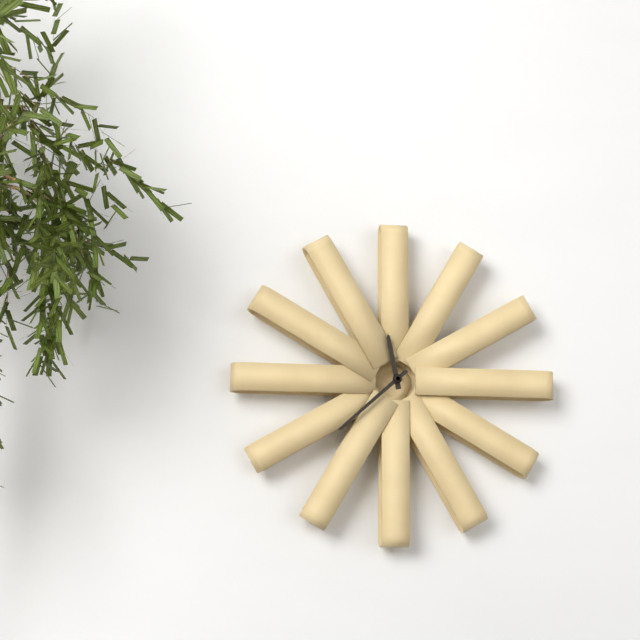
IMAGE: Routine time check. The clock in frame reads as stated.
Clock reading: 11:38
